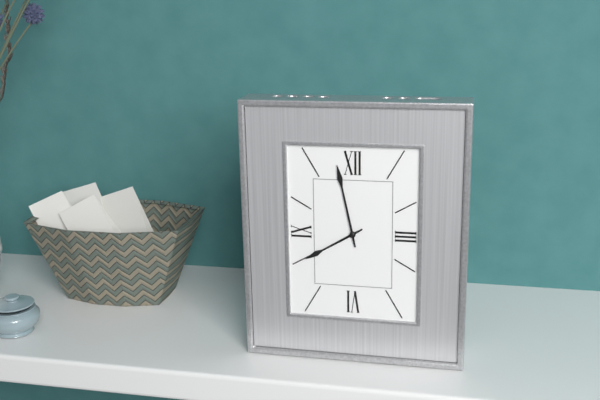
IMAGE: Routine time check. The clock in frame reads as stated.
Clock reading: 7:58
